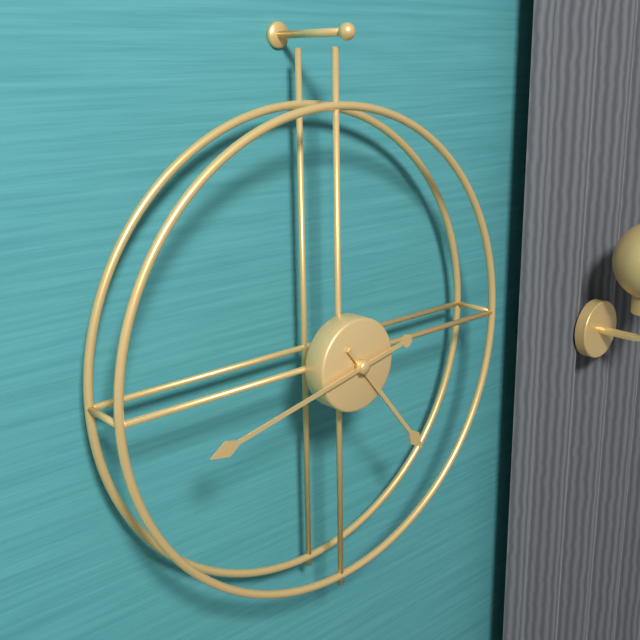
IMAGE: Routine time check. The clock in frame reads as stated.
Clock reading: 4:43
